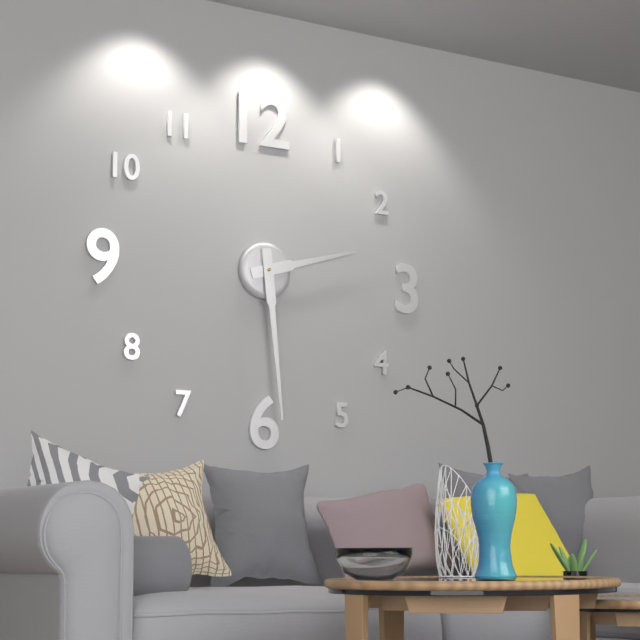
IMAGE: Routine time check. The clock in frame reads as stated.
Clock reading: 2:29
